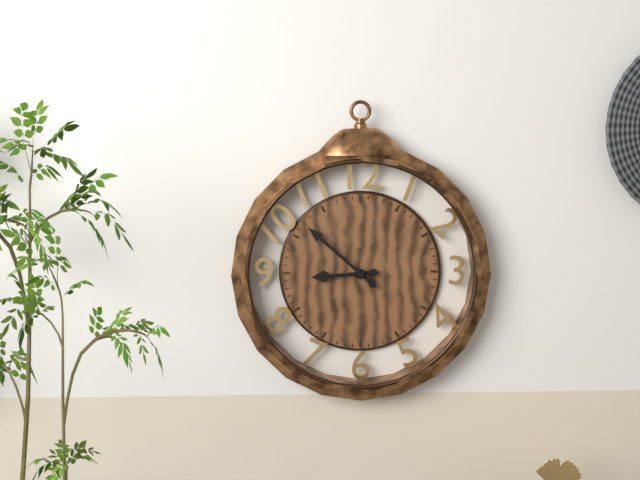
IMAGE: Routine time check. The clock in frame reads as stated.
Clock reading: 8:52
